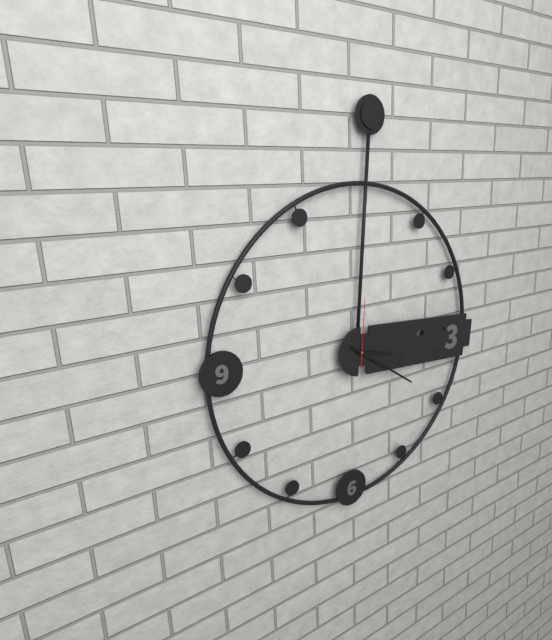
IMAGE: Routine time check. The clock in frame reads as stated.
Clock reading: 3:20:00
